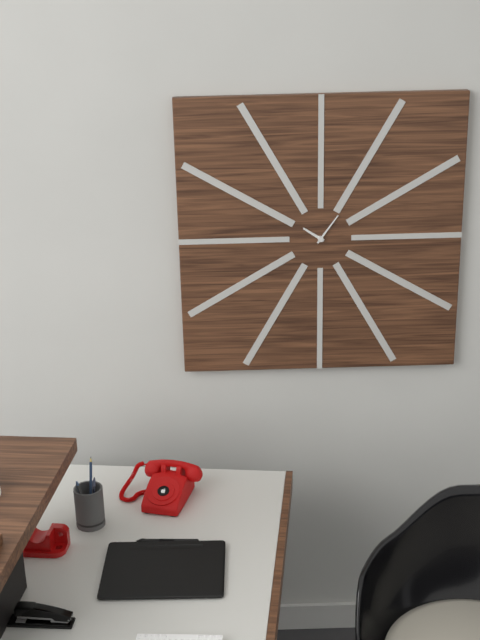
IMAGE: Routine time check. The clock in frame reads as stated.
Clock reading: 10:06
